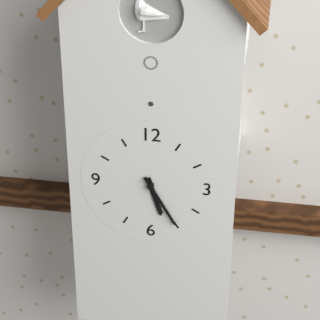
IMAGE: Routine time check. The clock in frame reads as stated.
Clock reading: 5:25
